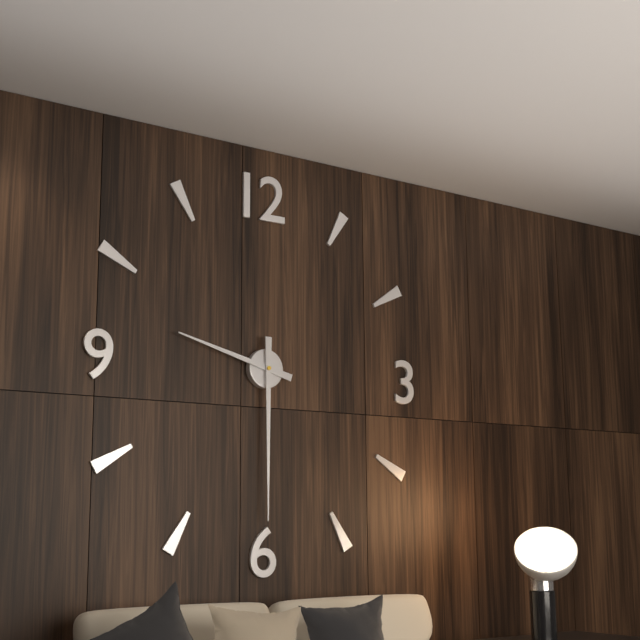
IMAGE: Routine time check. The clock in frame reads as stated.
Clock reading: 9:30
